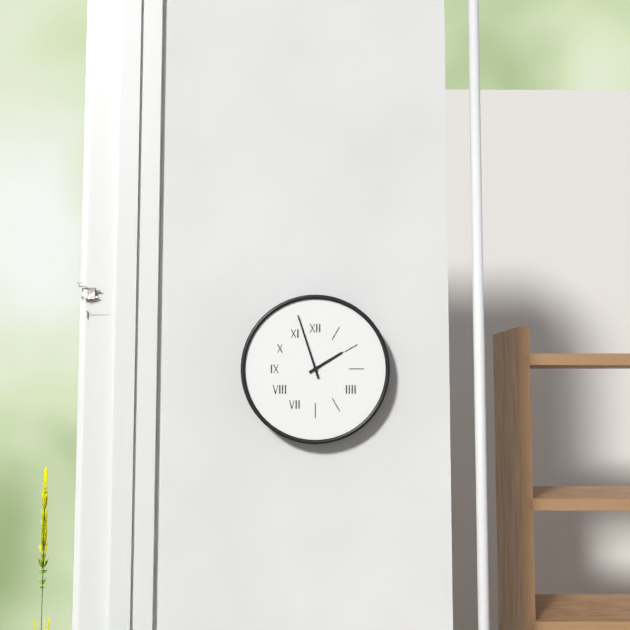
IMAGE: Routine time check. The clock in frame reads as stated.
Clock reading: 1:57
